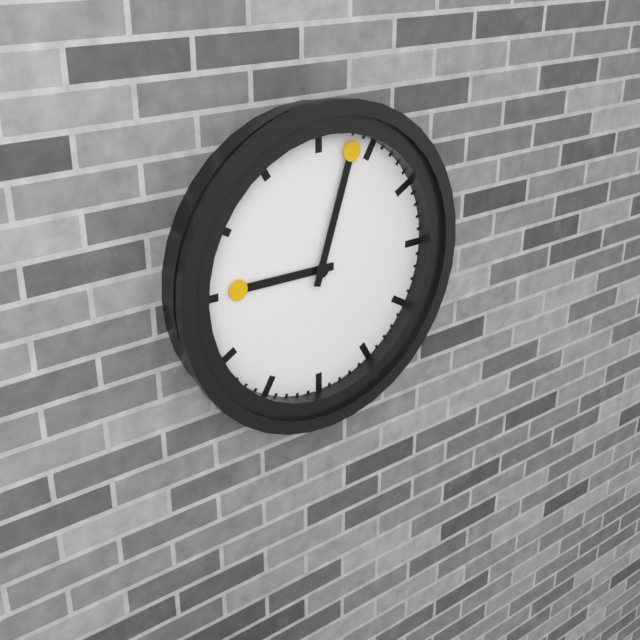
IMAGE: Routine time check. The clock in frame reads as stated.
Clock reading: 9:03
